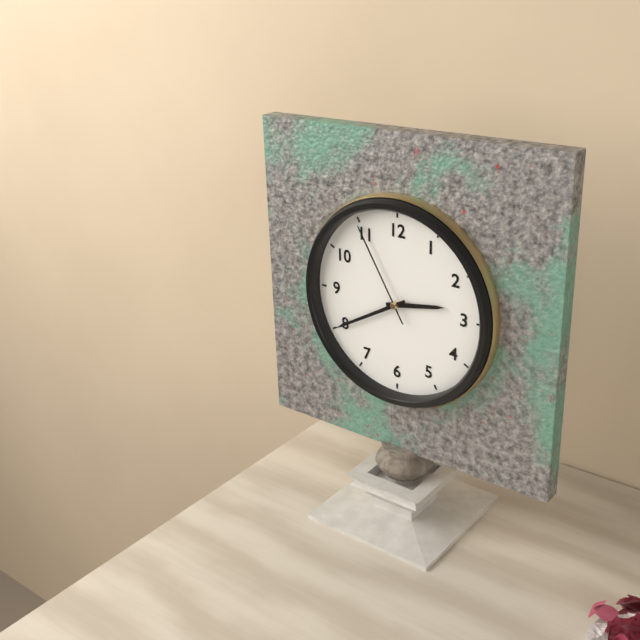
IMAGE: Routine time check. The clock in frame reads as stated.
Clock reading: 2:40:55
